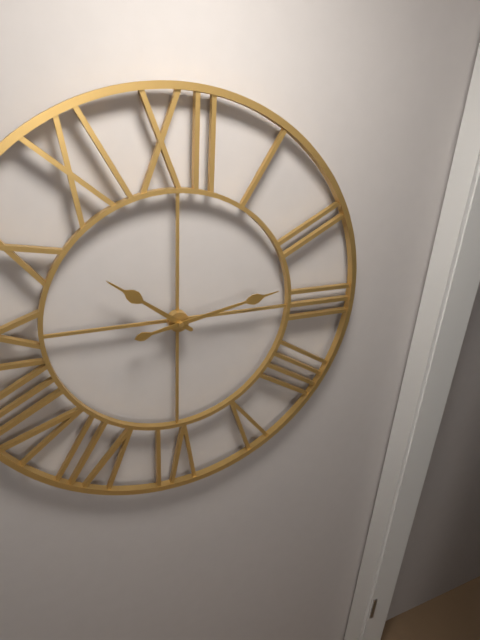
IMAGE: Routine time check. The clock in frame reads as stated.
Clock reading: 10:13
